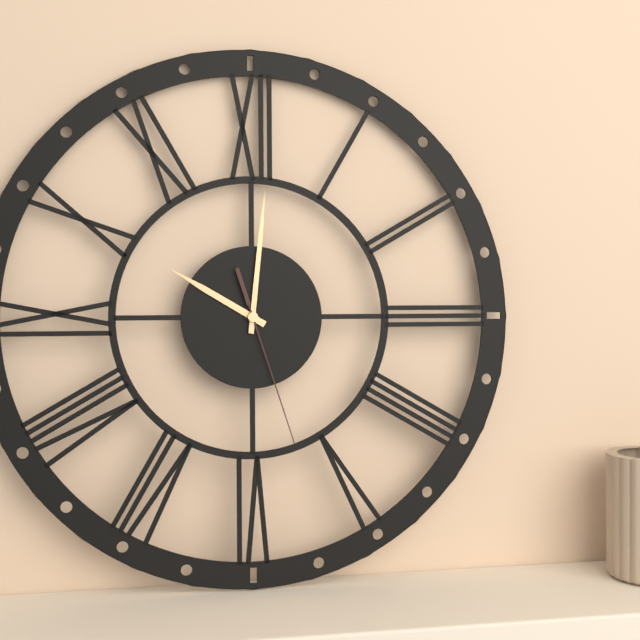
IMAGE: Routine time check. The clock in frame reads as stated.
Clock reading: 10:01:27
